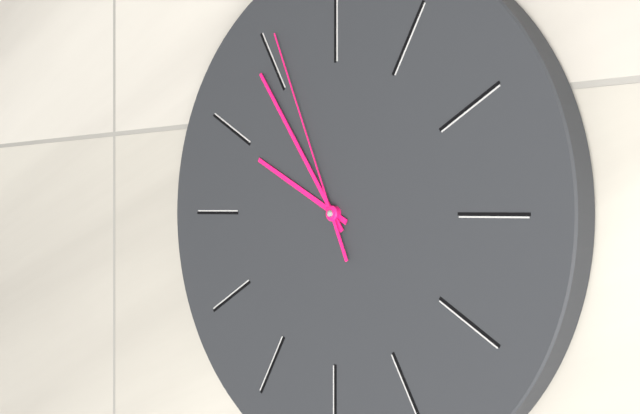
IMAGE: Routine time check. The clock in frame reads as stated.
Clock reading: 9:54:56
